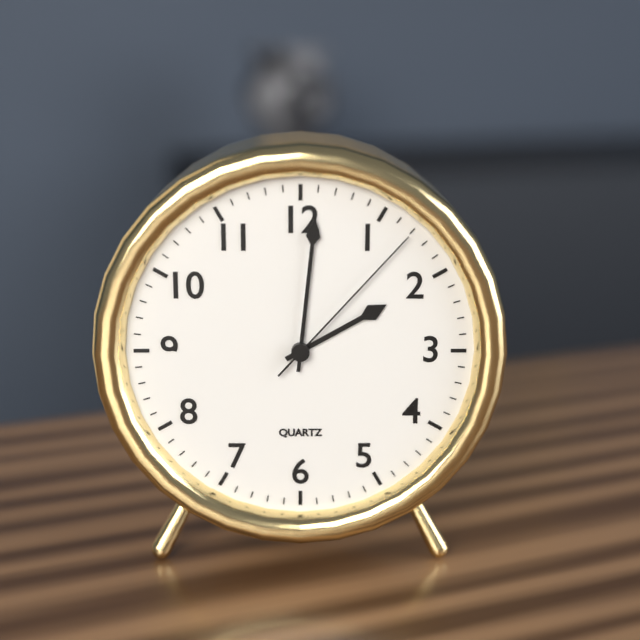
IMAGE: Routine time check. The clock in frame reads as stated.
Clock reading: 2:01:07
